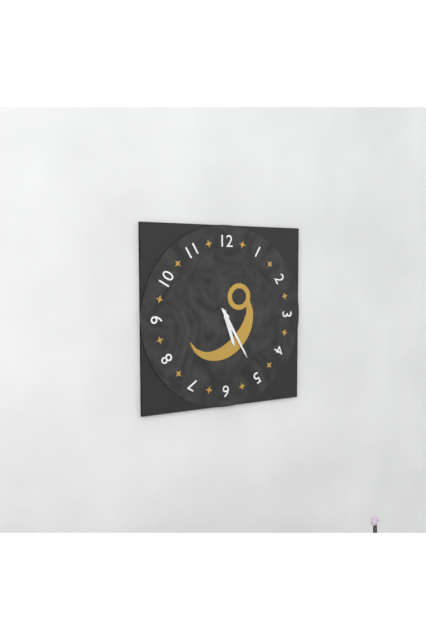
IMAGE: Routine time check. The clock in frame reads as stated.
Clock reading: 5:25
